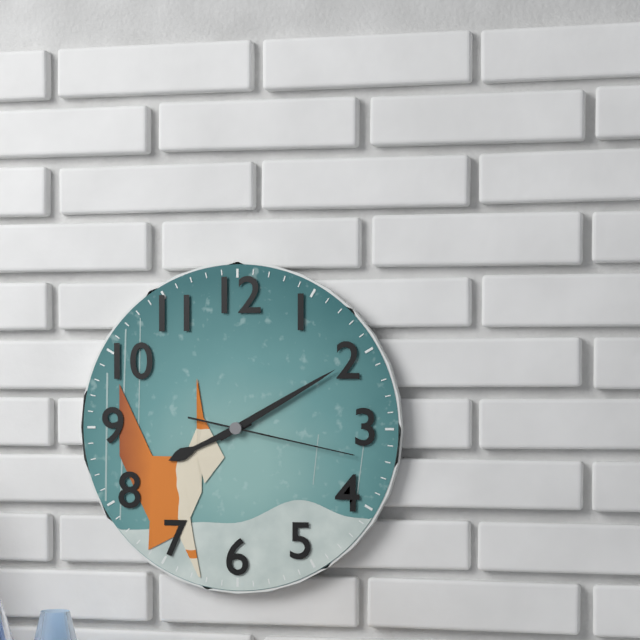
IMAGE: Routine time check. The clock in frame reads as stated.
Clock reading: 8:10:17
